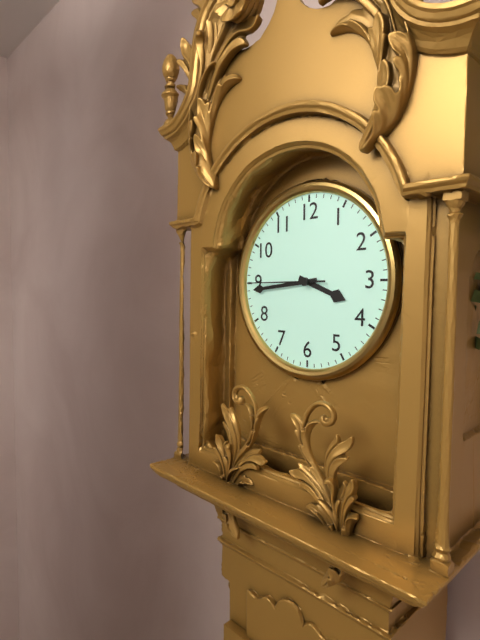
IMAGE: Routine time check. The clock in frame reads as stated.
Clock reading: 3:44:45
